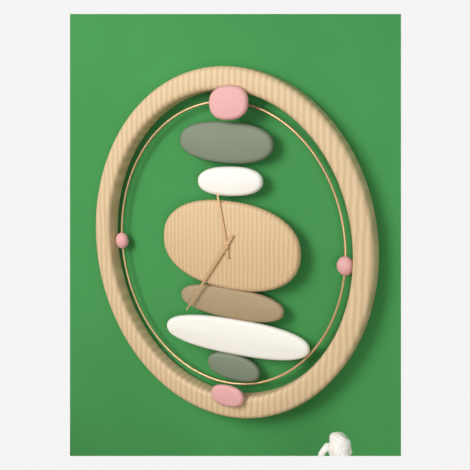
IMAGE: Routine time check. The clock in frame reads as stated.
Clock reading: 11:36
